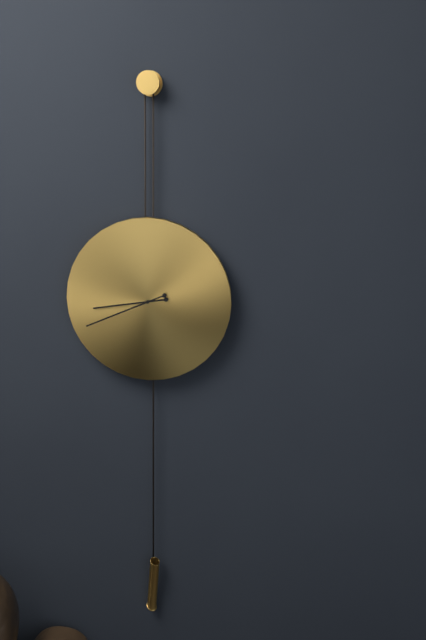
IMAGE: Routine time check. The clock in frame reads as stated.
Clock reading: 8:41
